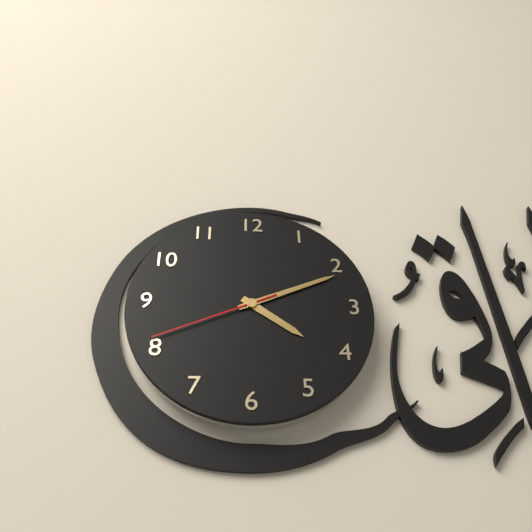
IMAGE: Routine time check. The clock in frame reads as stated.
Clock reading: 4:11:41
